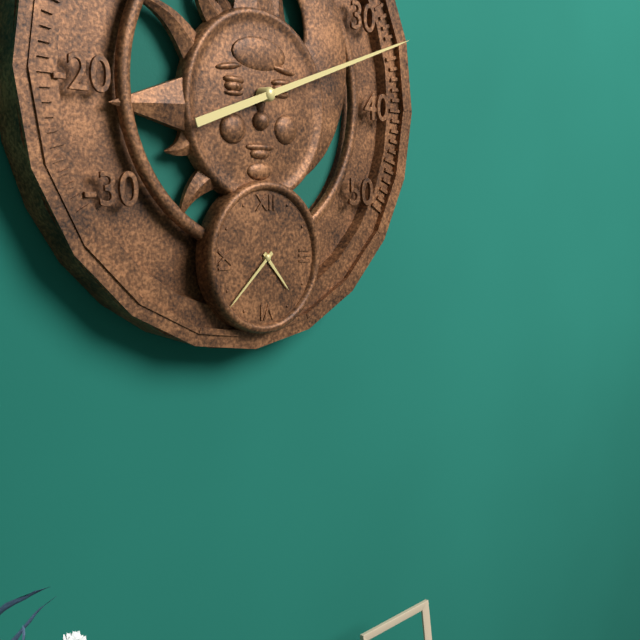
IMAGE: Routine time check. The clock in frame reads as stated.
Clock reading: 4:38
